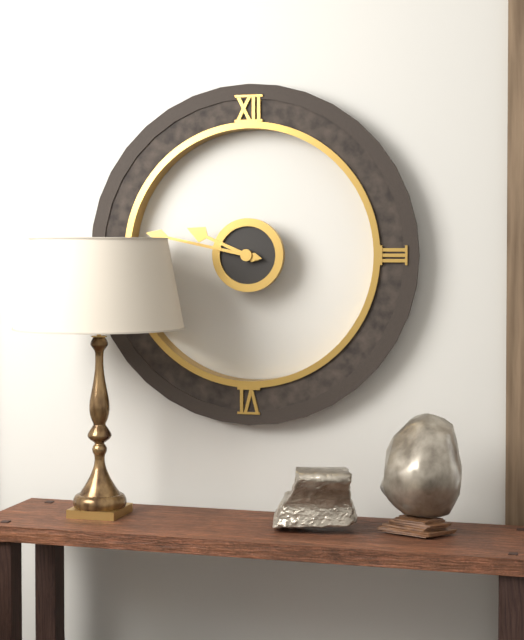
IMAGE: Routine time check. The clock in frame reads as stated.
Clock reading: 9:47
